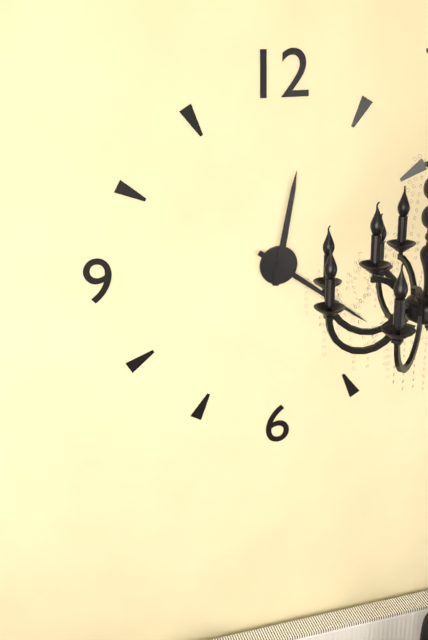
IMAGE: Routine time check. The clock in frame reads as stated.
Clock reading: 12:21
